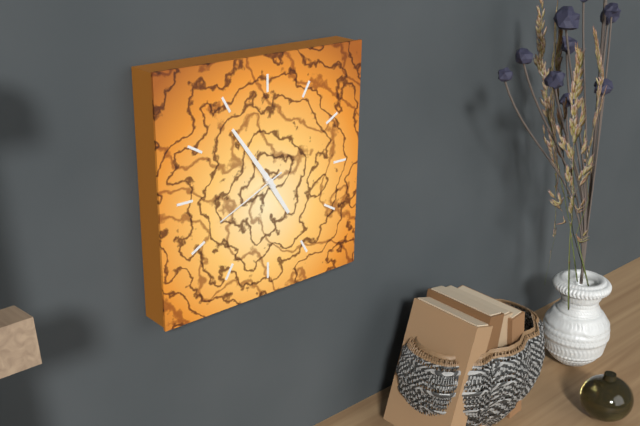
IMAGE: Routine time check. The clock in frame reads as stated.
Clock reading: 4:54:41
